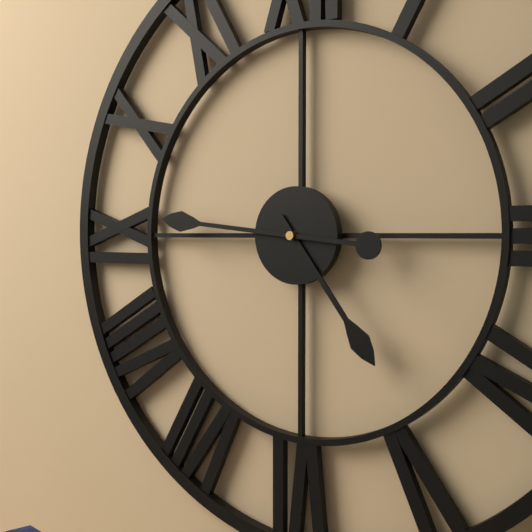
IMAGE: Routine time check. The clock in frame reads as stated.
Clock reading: 4:46
